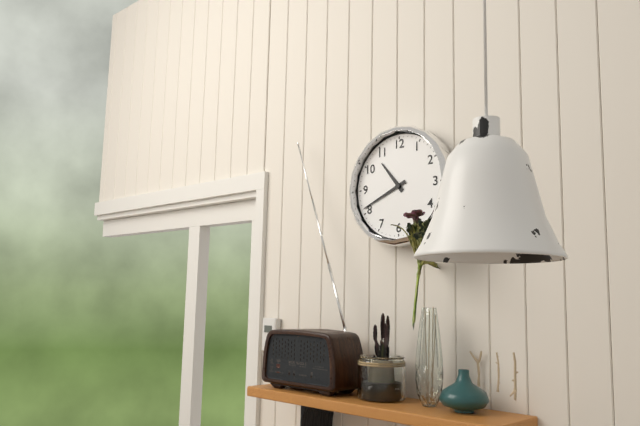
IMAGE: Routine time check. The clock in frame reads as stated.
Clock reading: 10:41
